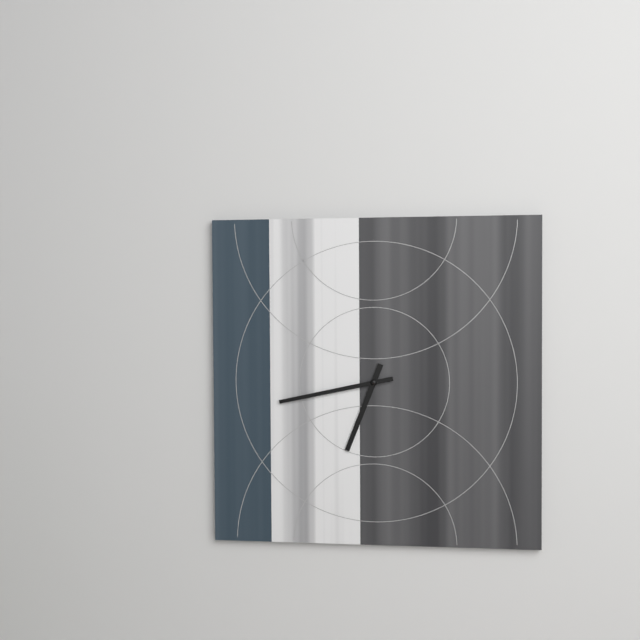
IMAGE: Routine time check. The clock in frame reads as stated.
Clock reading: 6:43
